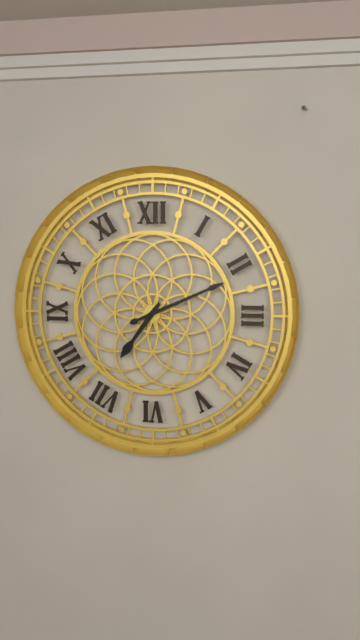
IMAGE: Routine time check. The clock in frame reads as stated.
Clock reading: 7:11
